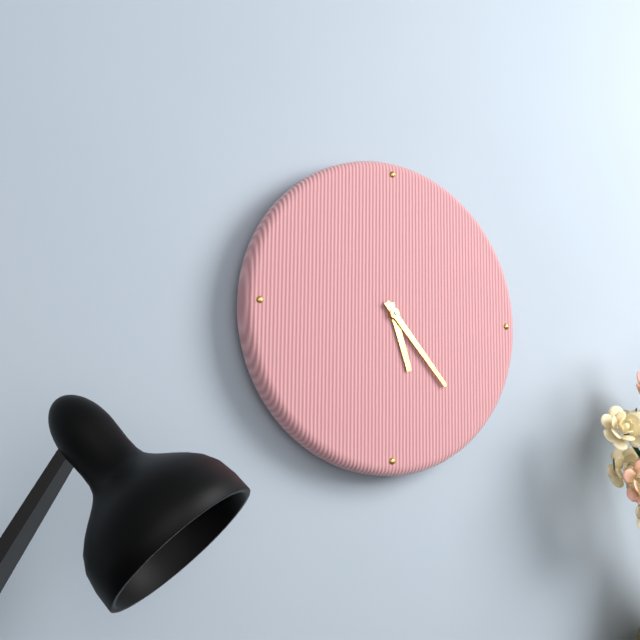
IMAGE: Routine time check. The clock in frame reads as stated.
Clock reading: 5:23
